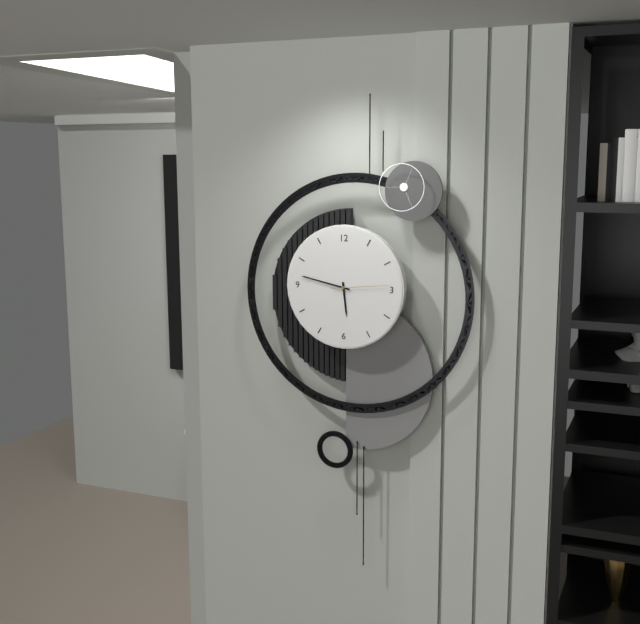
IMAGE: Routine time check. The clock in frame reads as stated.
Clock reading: 5:47:14
